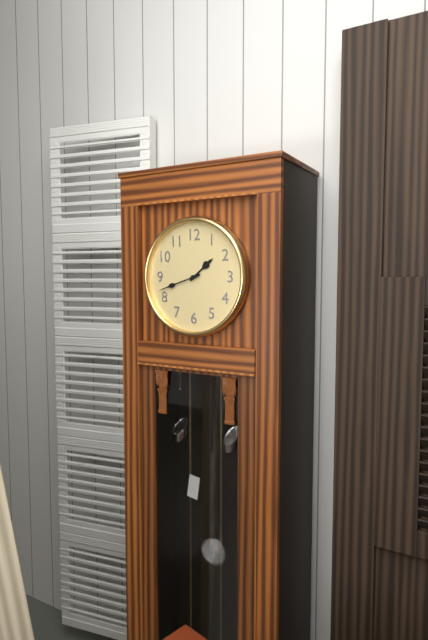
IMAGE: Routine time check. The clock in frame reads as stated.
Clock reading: 1:42
